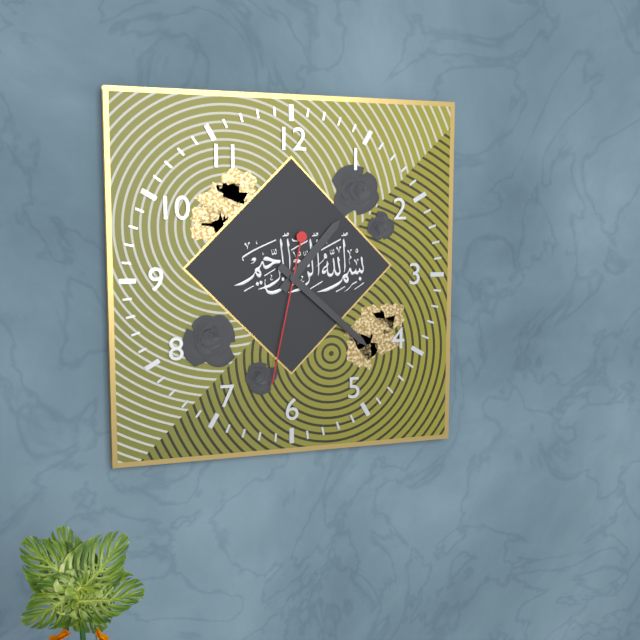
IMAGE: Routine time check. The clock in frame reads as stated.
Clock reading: 1:22:32
